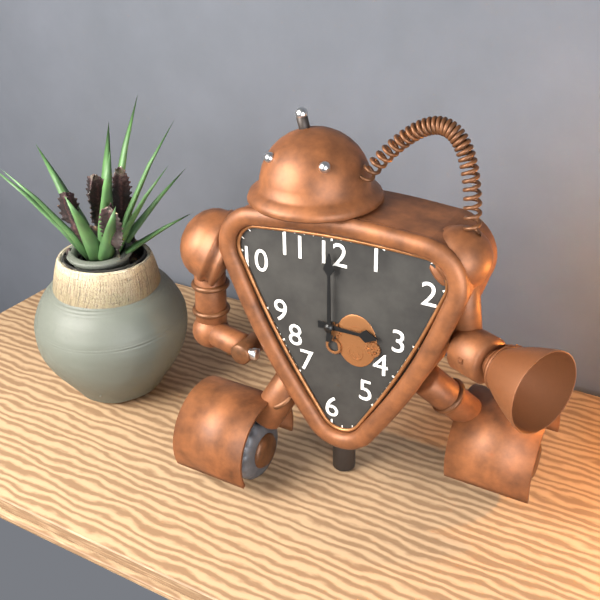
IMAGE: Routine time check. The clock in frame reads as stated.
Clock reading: 3:00
